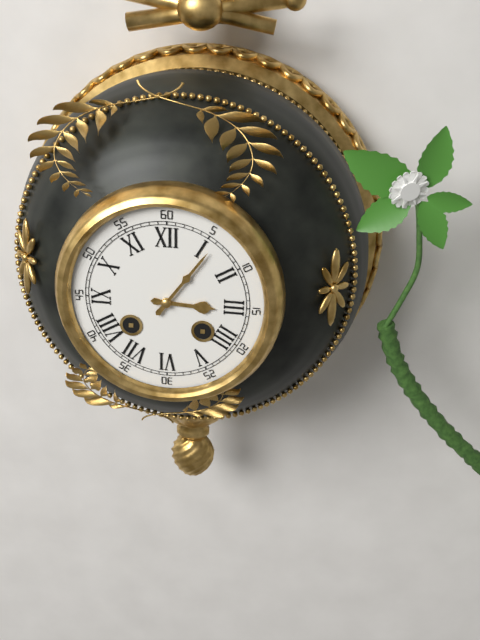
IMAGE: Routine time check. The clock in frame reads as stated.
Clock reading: 3:06
